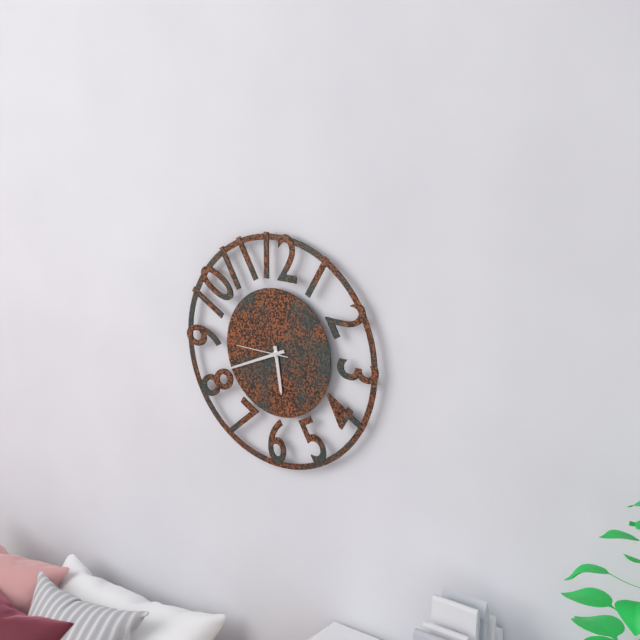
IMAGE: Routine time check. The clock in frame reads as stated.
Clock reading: 5:41:45
